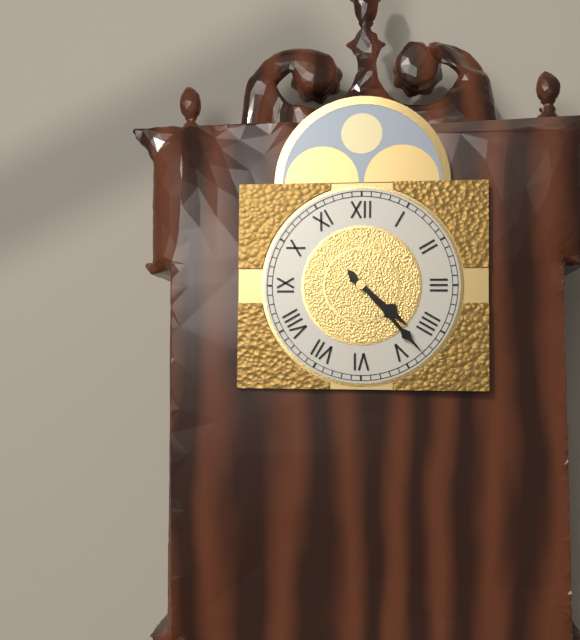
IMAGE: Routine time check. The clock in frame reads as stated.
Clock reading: 4:23
